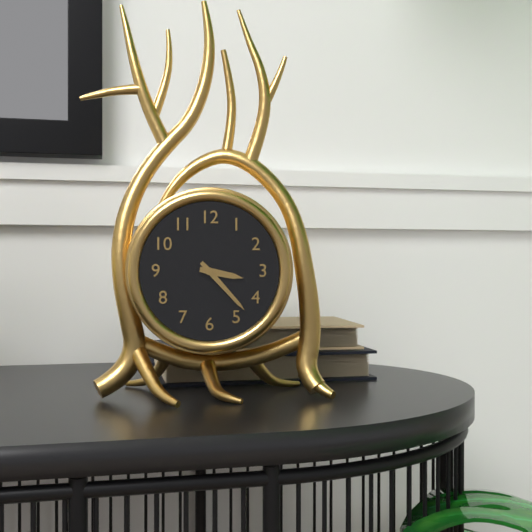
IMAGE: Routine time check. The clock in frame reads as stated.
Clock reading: 3:23
